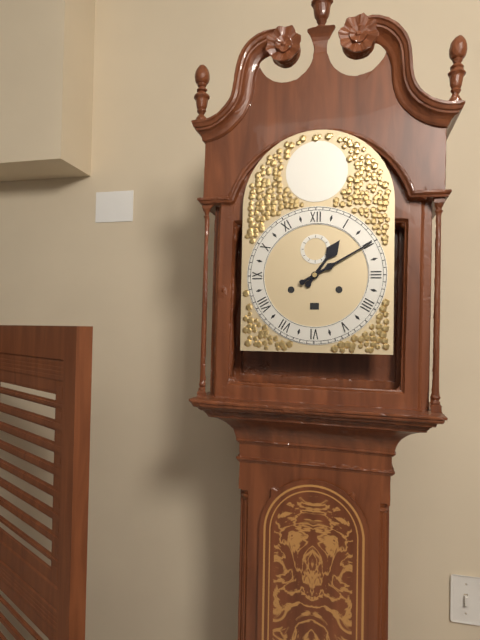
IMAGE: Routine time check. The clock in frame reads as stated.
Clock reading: 1:10
